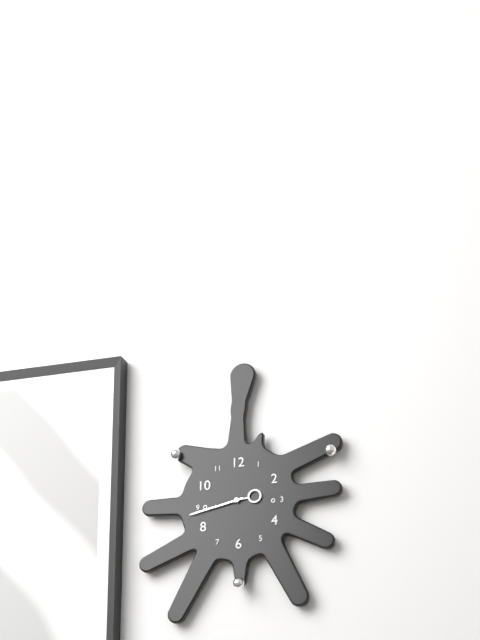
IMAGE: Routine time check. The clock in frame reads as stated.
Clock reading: 2:43
